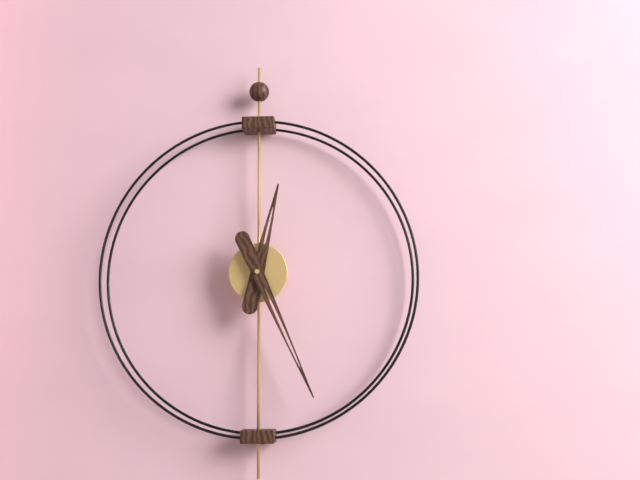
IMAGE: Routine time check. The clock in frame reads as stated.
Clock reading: 12:26
